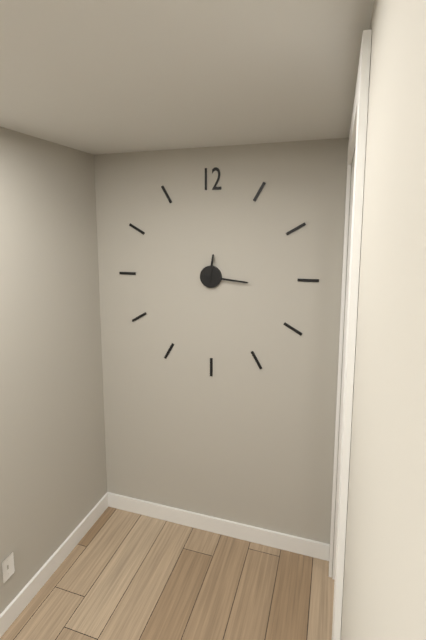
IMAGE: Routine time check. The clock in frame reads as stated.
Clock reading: 12:16
